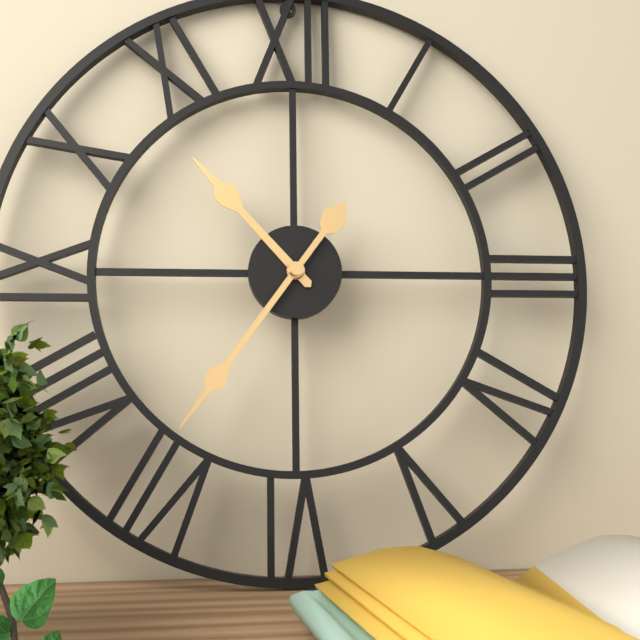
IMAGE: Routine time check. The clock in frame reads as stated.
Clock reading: 10:36
